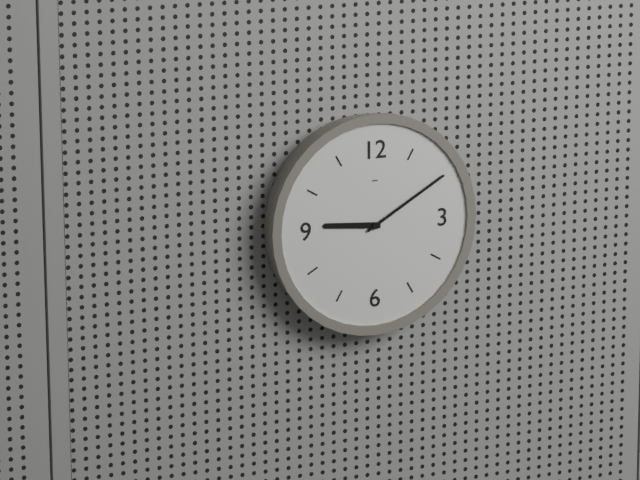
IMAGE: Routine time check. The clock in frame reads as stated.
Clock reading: 9:10
